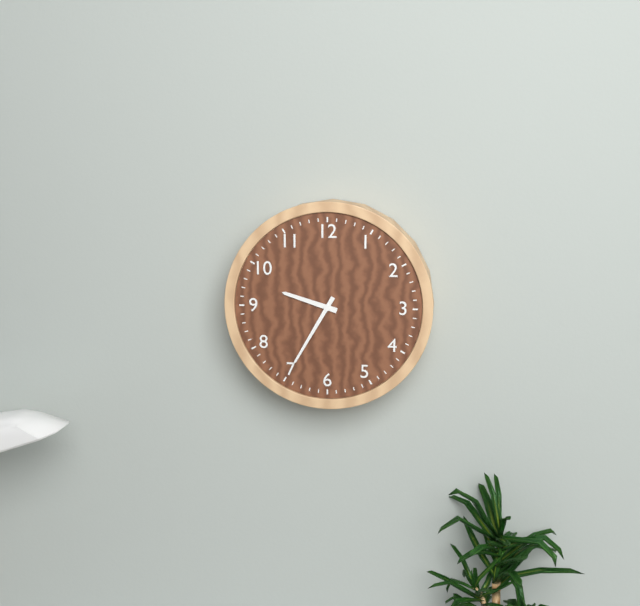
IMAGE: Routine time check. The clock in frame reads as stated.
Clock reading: 9:35
